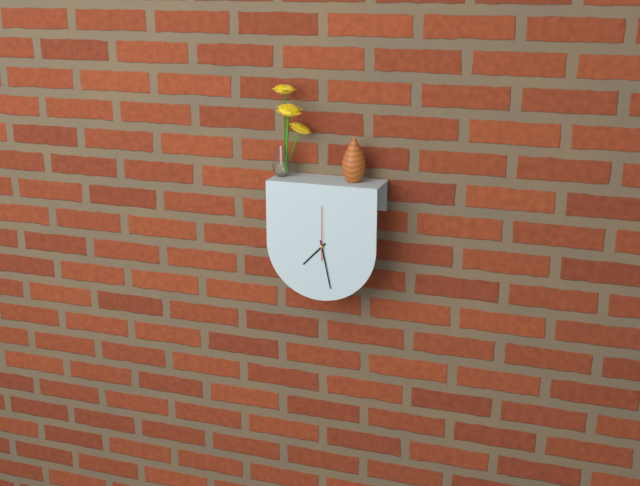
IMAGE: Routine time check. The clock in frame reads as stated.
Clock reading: 7:28:00
